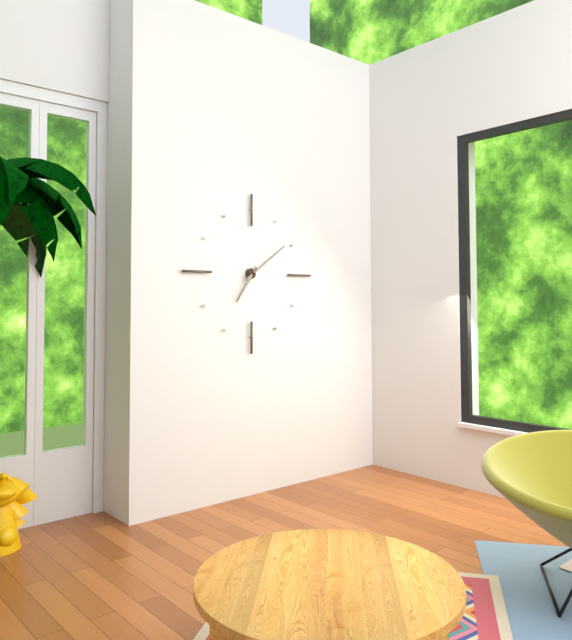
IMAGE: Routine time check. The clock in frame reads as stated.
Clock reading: 7:09
